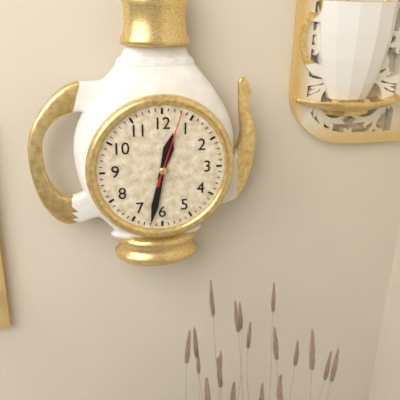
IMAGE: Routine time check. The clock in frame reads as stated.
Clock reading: 12:32:03
